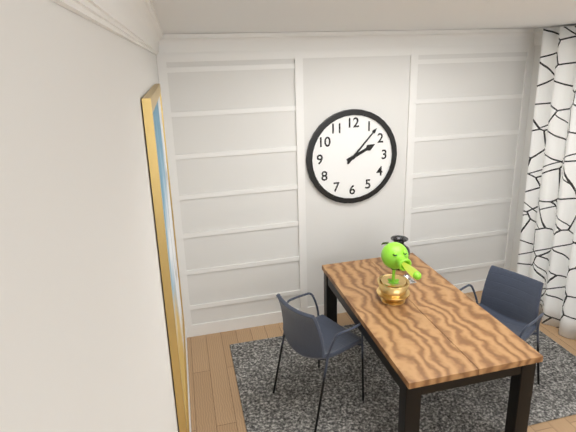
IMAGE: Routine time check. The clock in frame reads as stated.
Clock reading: 2:07
